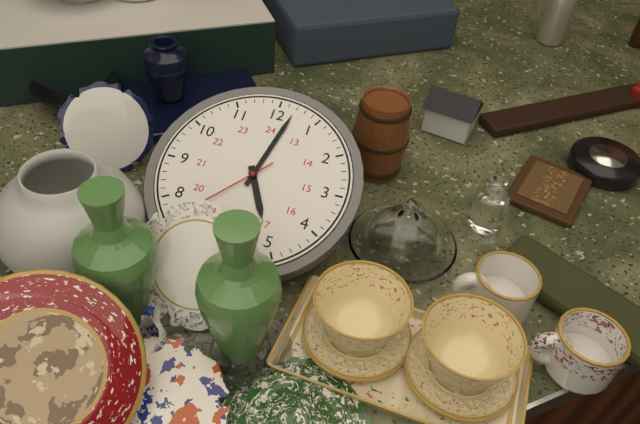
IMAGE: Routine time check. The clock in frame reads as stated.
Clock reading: 5:02
